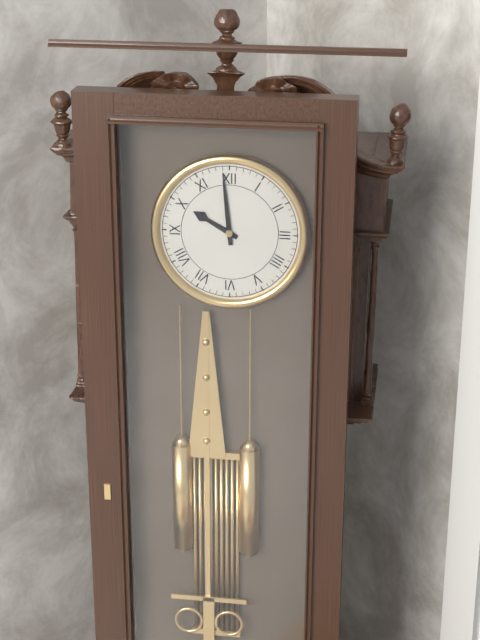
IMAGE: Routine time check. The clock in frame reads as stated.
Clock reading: 9:59
